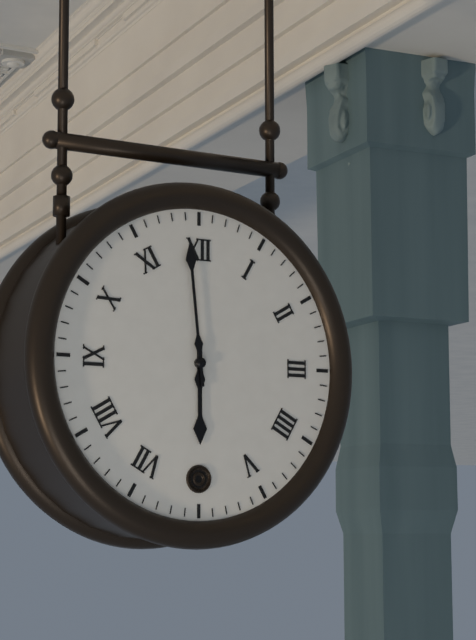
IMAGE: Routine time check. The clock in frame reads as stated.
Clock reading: 5:59
